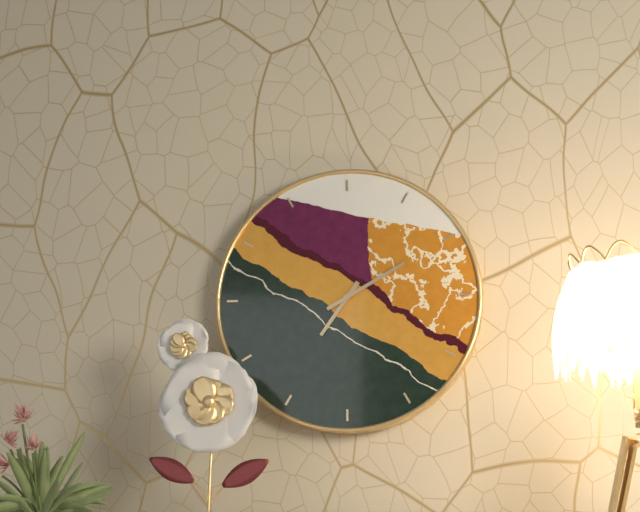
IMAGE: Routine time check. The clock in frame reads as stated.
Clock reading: 7:10
